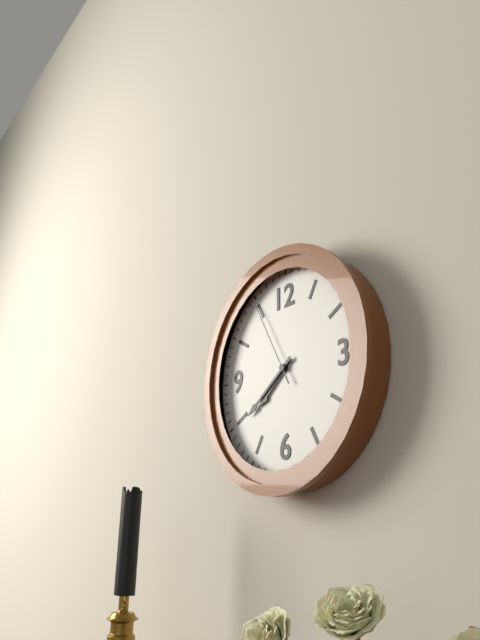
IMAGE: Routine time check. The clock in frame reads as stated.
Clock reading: 7:39:55
